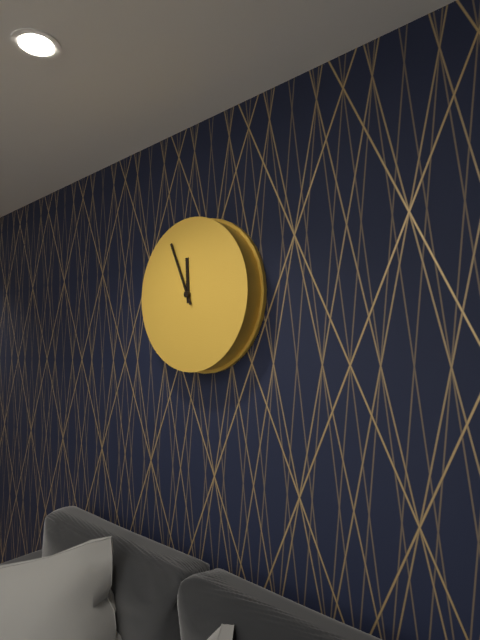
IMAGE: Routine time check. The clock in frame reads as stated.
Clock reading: 11:56
